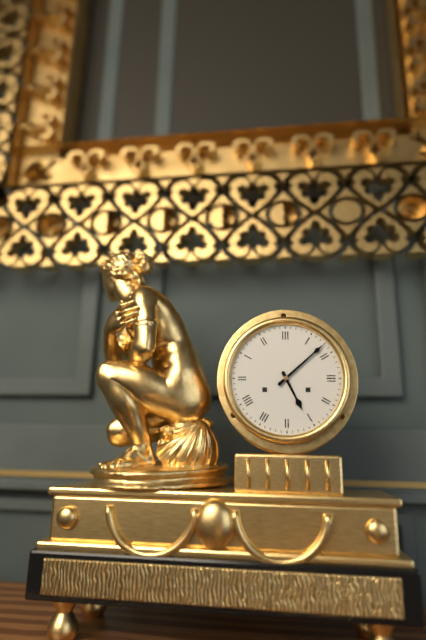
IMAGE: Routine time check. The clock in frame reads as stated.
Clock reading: 5:08
